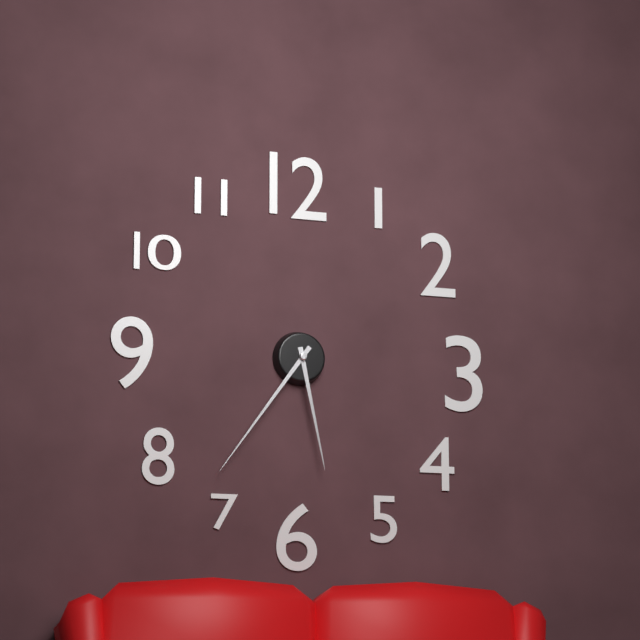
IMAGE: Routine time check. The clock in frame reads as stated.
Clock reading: 5:36
